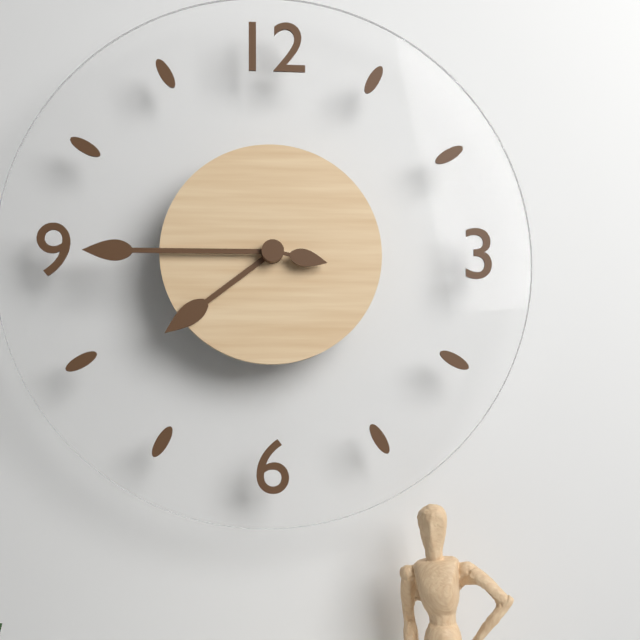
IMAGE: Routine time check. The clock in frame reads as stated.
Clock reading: 7:45:17
